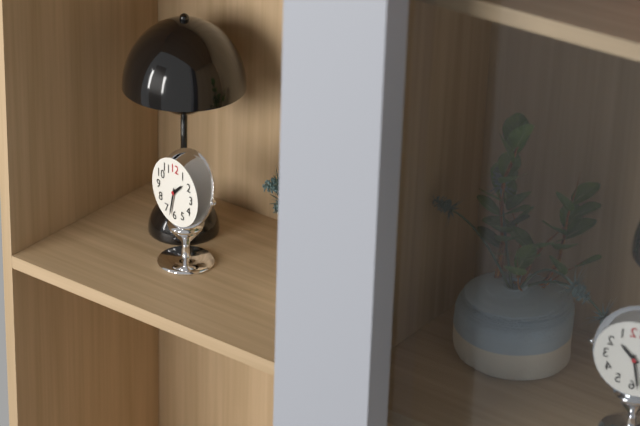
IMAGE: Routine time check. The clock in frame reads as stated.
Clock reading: 1:32
